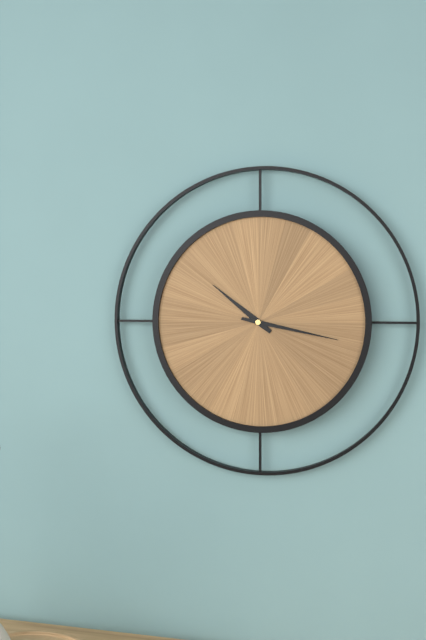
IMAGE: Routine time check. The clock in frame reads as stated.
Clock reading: 10:17
